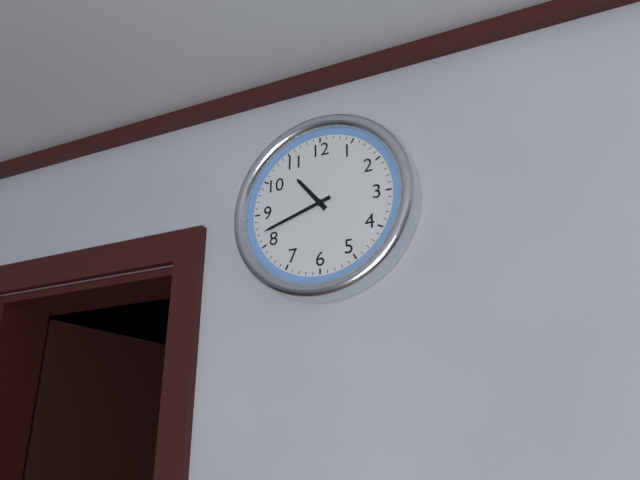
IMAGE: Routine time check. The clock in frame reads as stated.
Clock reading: 10:42
